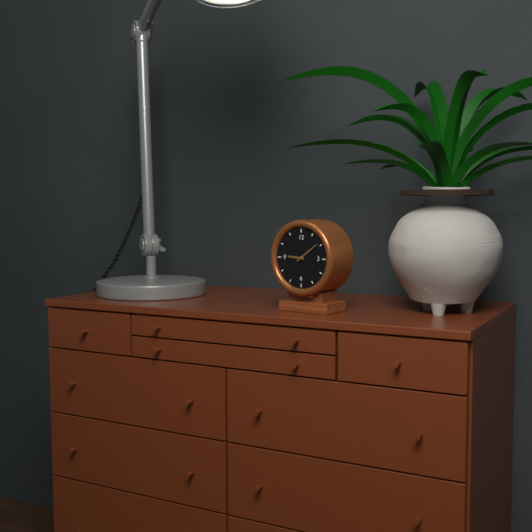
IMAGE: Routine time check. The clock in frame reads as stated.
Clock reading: 9:09
